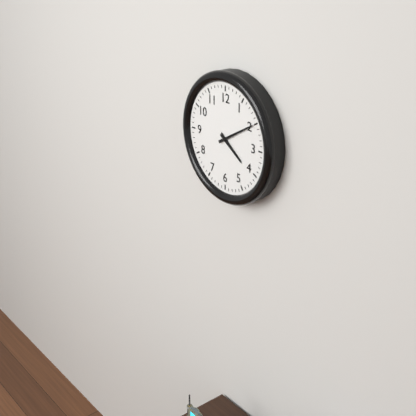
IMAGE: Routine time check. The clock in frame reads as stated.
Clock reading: 4:10
